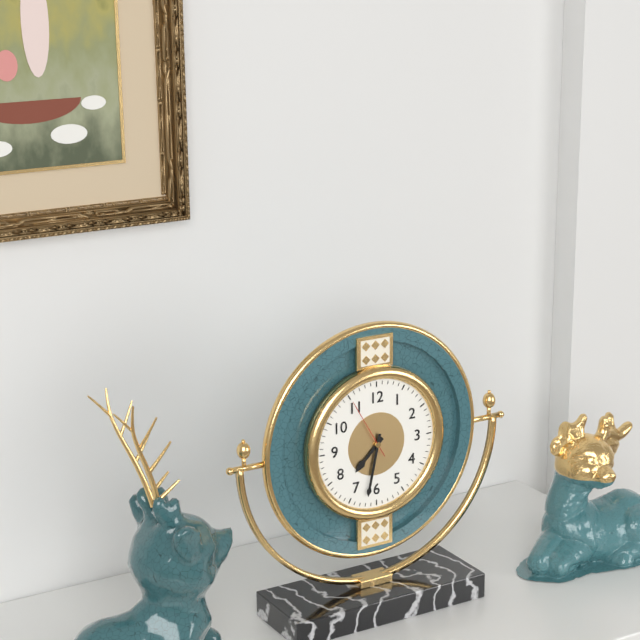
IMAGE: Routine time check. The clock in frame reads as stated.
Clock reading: 7:32:55
